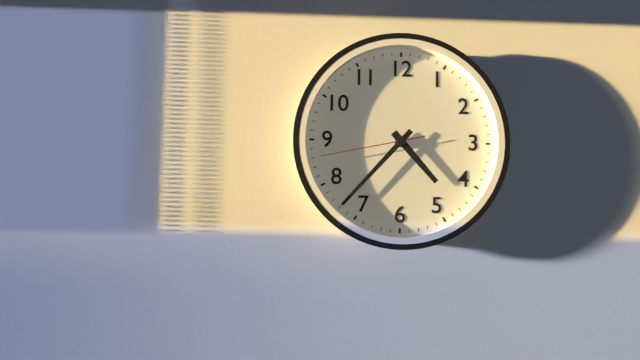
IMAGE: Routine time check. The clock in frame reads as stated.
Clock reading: 4:37:43
